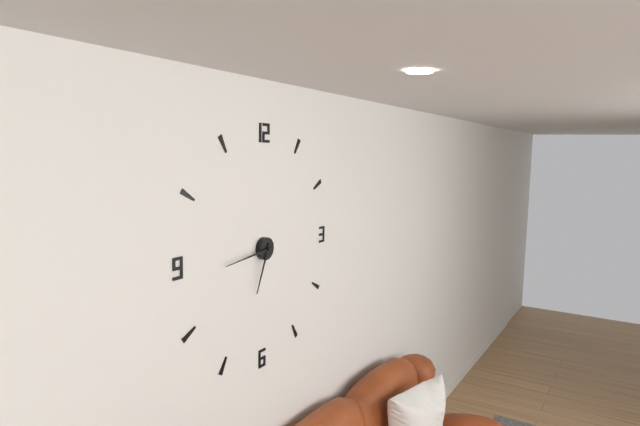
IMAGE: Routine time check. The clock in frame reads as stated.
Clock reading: 6:44
